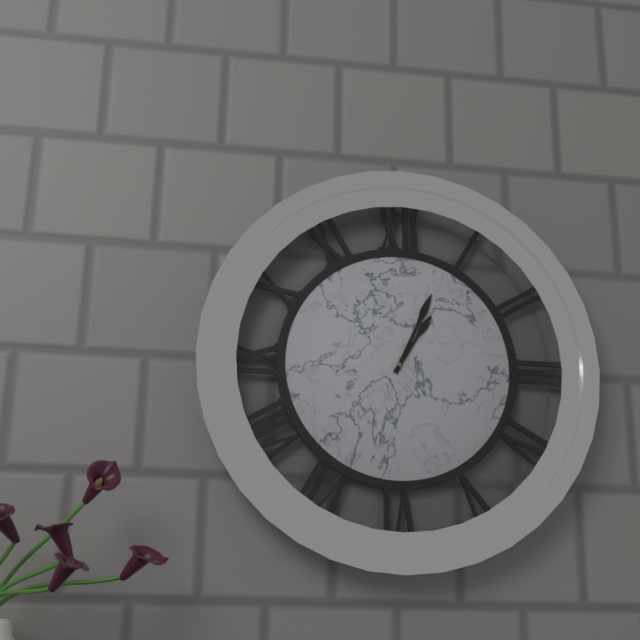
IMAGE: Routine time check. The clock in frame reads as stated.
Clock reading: 1:04
